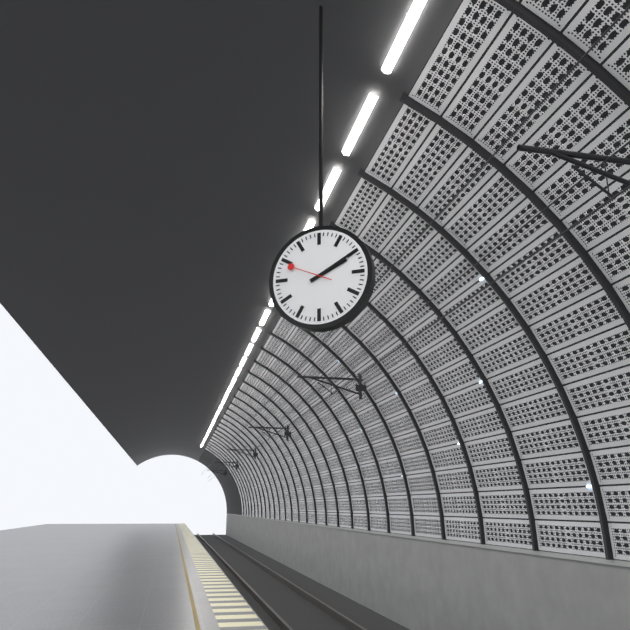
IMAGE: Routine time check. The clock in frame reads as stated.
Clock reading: 2:10
